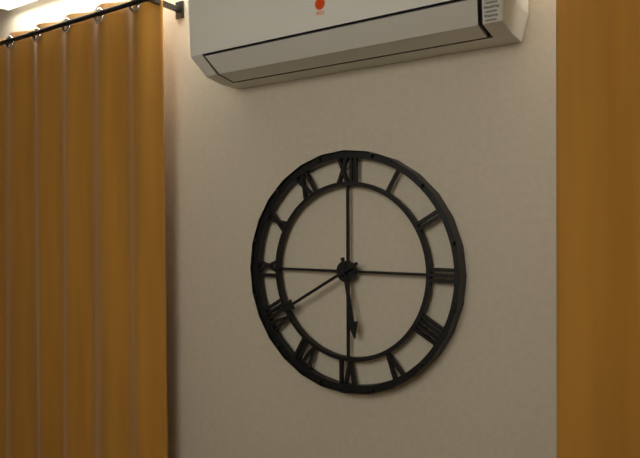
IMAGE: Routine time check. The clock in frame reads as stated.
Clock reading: 5:40
